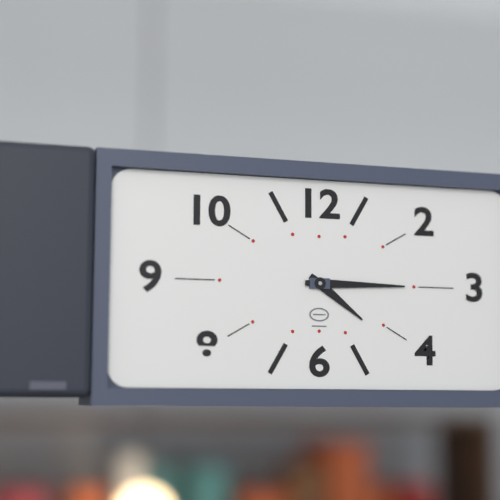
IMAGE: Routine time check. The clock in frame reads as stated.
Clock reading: 4:15
